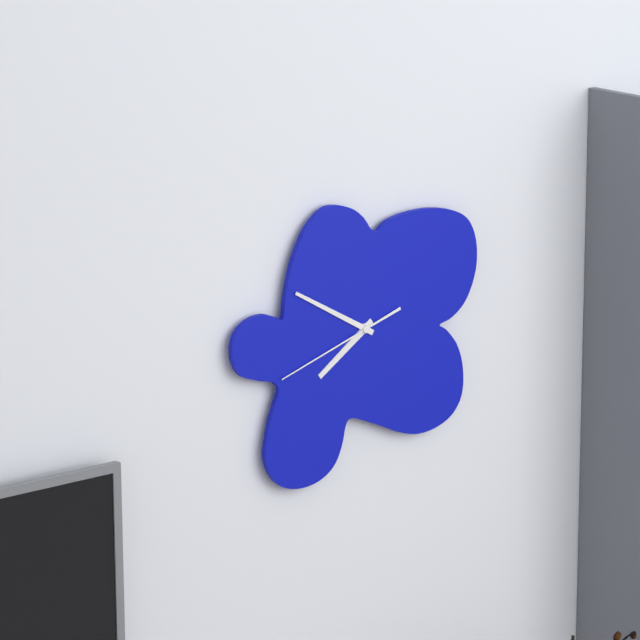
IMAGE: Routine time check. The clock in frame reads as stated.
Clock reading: 7:50:42
